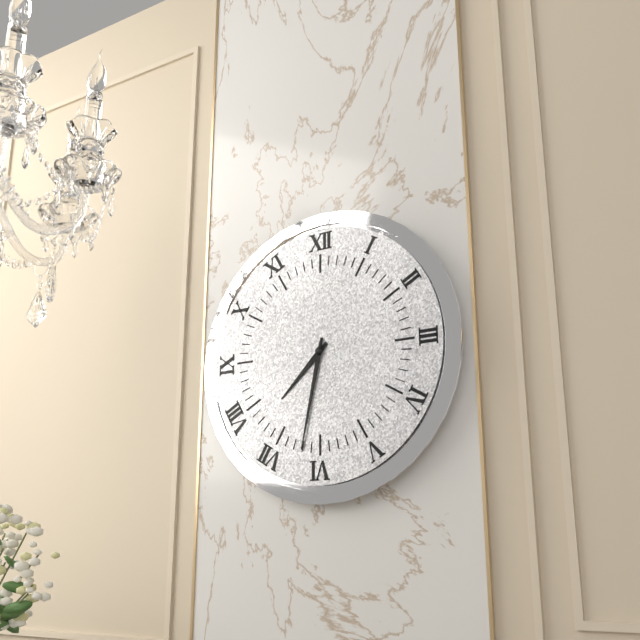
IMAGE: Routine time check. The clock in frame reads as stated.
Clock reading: 7:32
